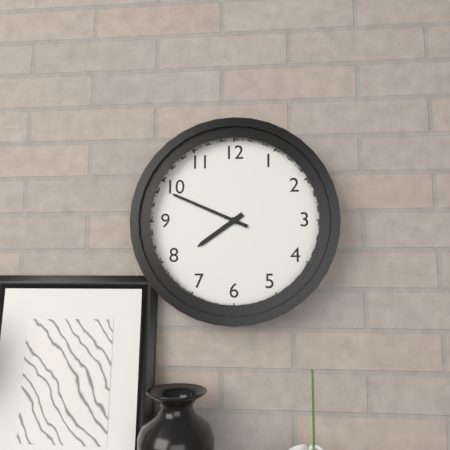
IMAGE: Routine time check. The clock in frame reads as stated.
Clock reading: 7:49
